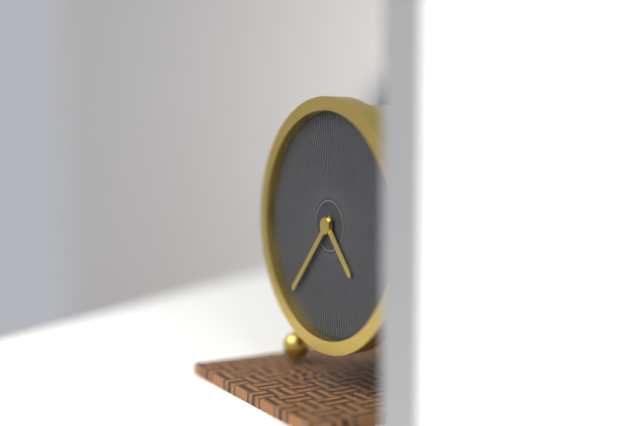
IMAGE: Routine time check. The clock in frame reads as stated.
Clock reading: 4:37
